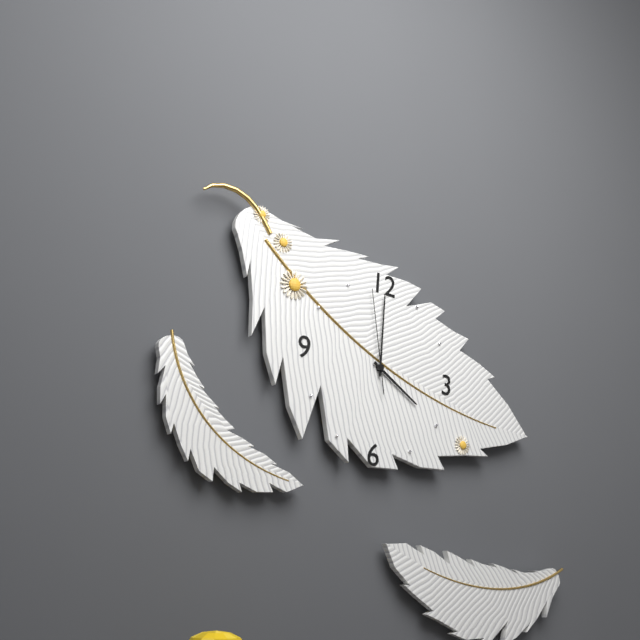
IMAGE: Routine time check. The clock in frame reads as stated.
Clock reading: 4:00:58
